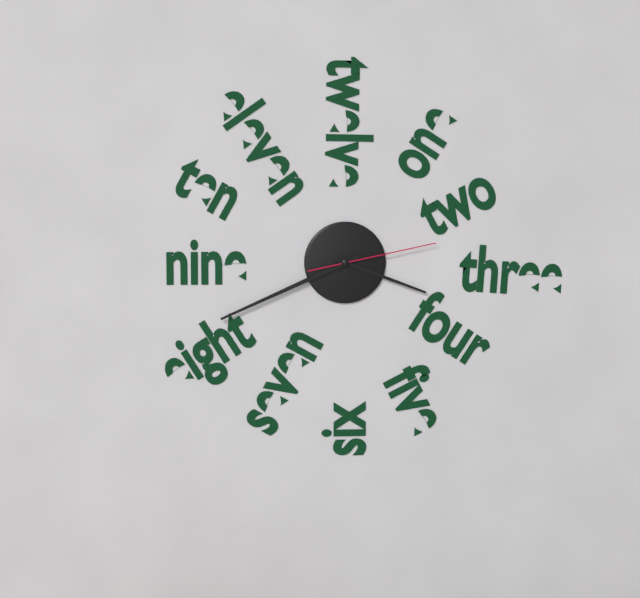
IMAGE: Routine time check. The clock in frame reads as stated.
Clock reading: 3:41:13
